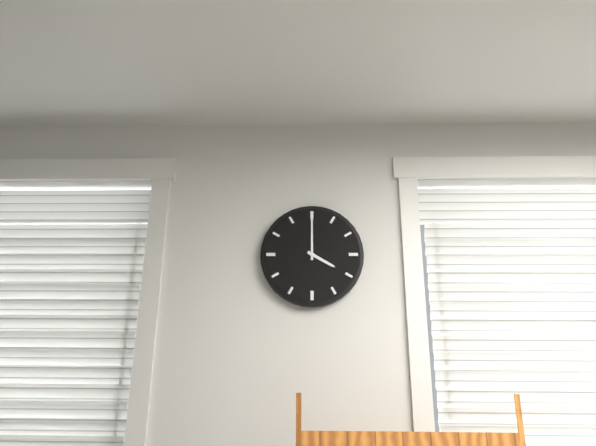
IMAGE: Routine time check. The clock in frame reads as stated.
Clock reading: 4:00
